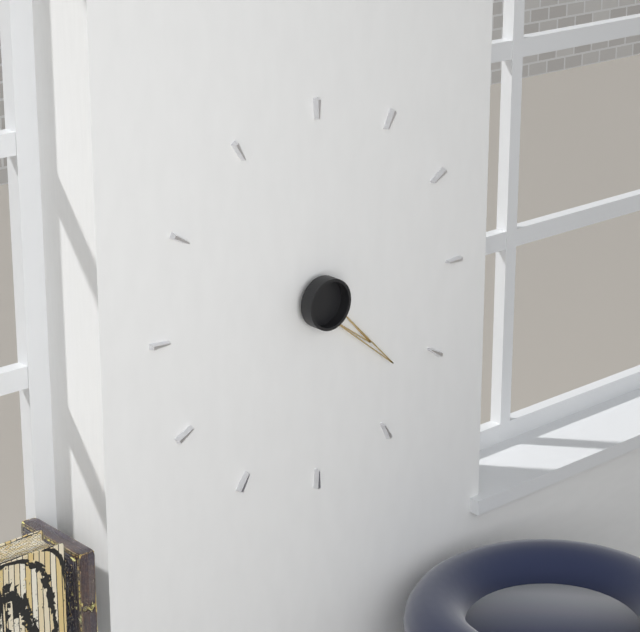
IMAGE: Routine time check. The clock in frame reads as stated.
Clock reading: 4:22
